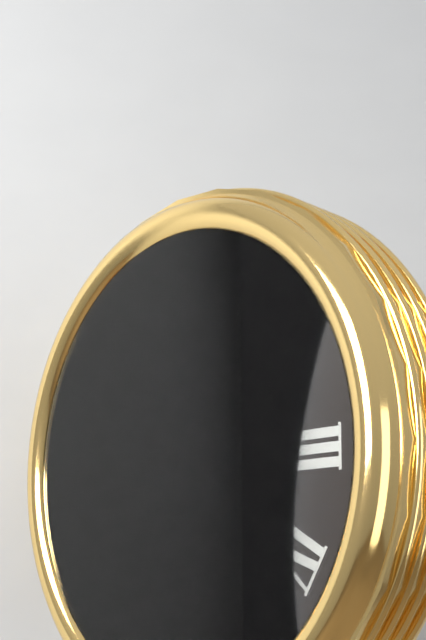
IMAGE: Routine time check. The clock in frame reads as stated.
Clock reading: 1:16:03
